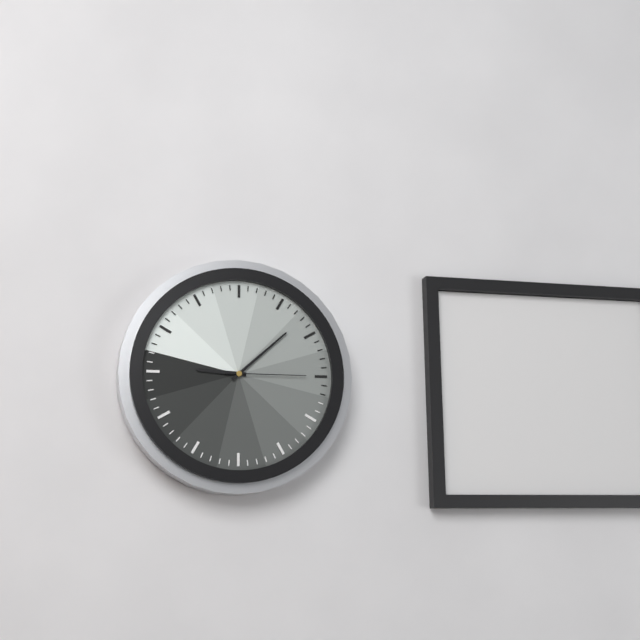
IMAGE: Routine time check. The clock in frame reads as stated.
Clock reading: 9:08:15
